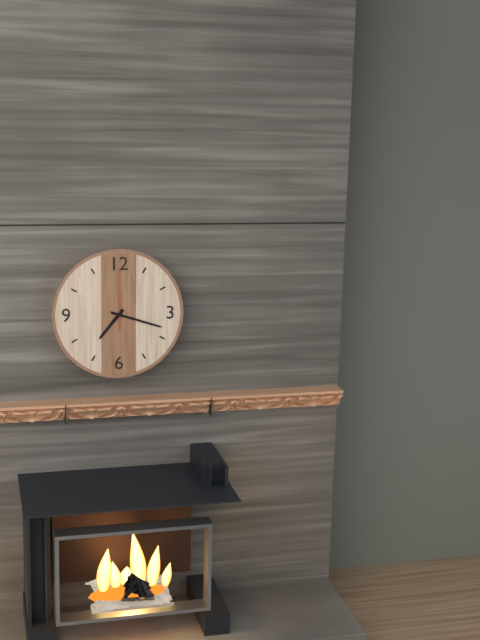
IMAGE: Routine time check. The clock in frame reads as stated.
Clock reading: 7:18:00
